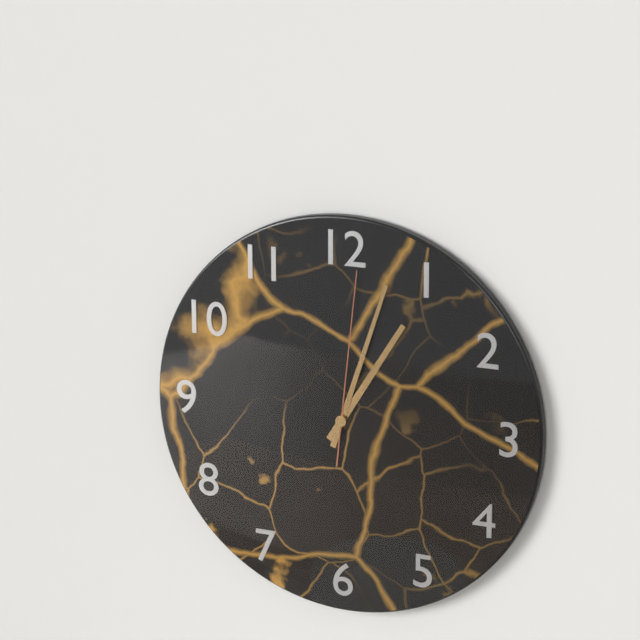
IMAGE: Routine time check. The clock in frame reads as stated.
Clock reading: 1:03:01
